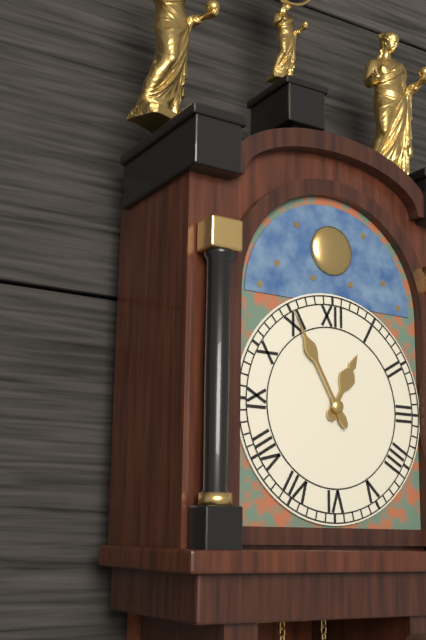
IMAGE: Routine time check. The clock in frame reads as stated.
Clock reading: 12:55
